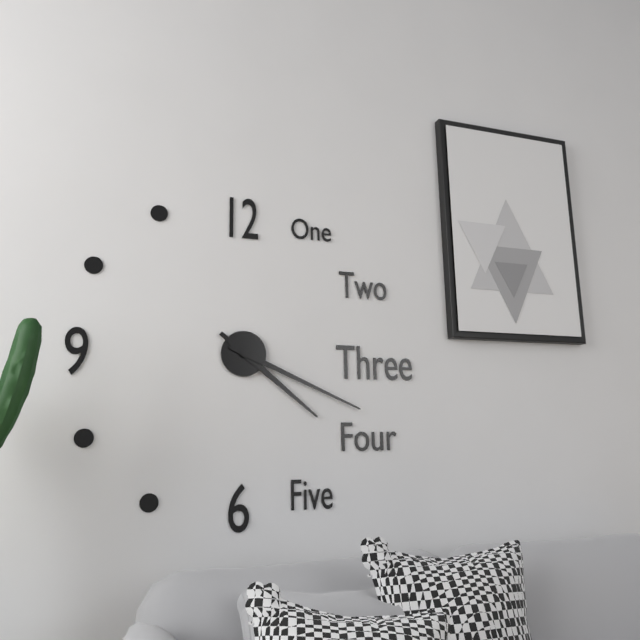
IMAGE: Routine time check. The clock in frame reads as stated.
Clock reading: 4:19
